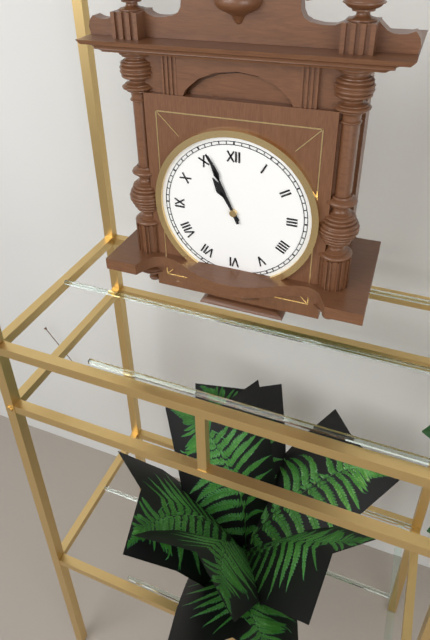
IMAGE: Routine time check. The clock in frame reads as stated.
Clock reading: 10:56
